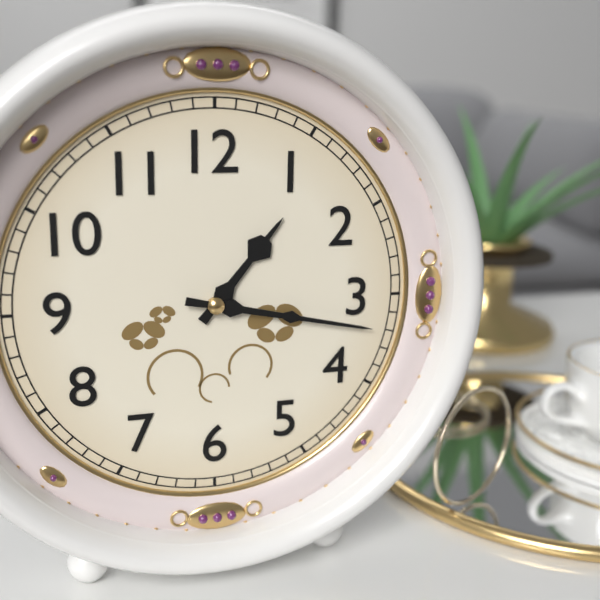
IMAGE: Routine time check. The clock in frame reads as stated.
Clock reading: 1:17
